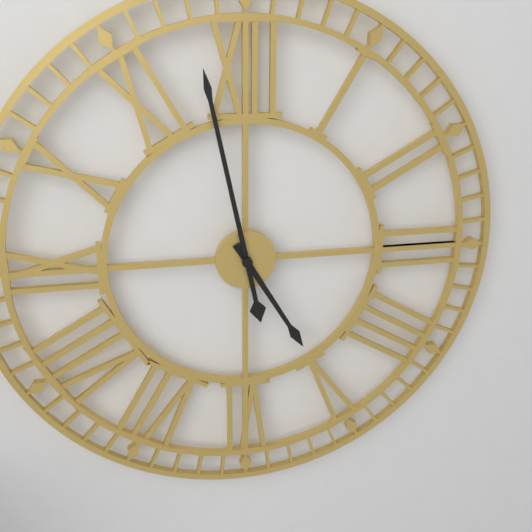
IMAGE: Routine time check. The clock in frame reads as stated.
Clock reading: 4:58
